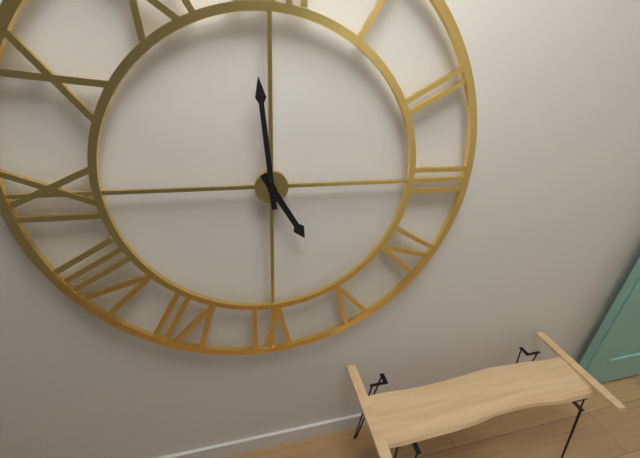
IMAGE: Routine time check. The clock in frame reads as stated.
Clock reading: 4:59
